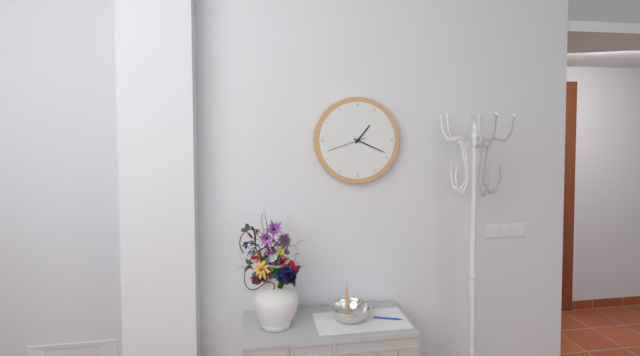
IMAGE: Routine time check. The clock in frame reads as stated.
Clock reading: 1:19
